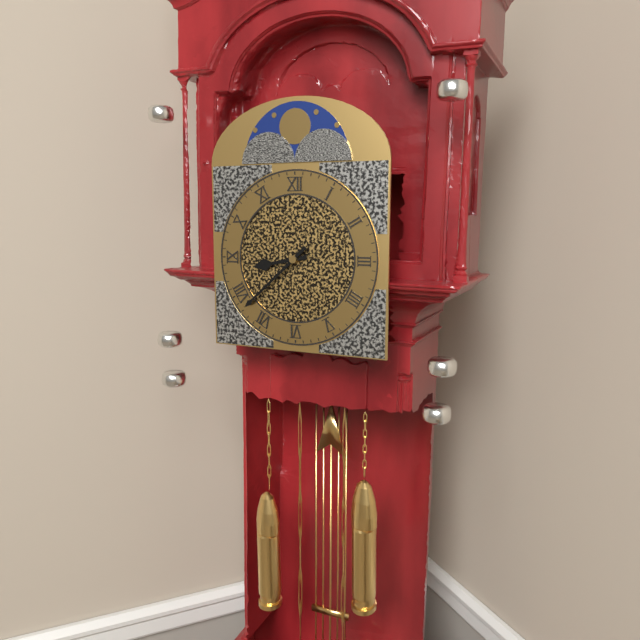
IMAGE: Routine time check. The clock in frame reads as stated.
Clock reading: 8:38
